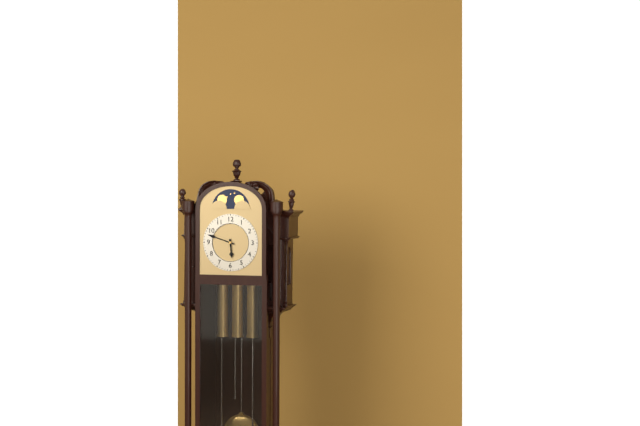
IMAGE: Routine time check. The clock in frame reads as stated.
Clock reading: 5:48
